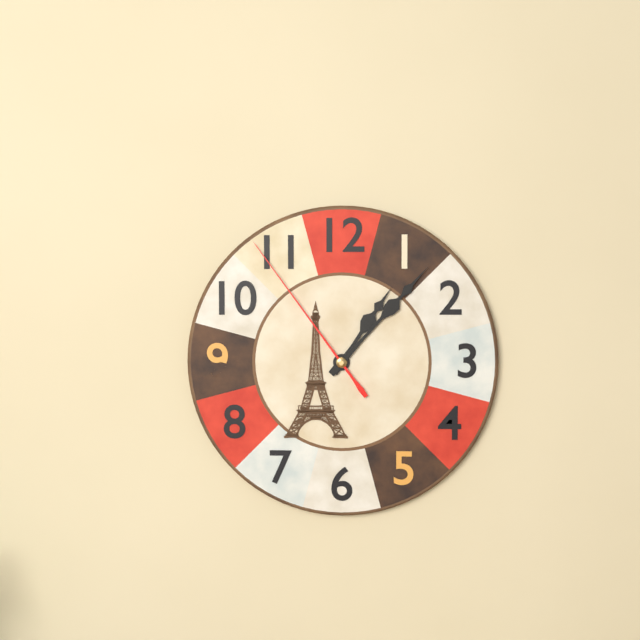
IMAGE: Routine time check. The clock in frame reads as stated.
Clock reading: 1:07:54
